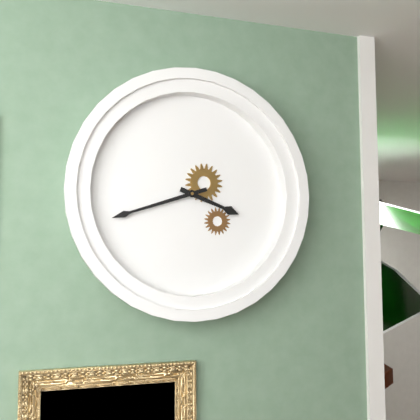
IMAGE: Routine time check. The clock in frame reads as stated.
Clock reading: 3:42
